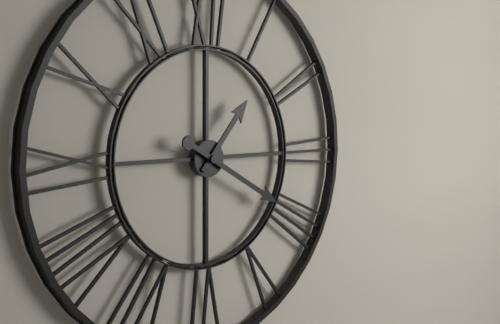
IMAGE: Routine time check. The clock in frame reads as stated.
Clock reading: 1:20
